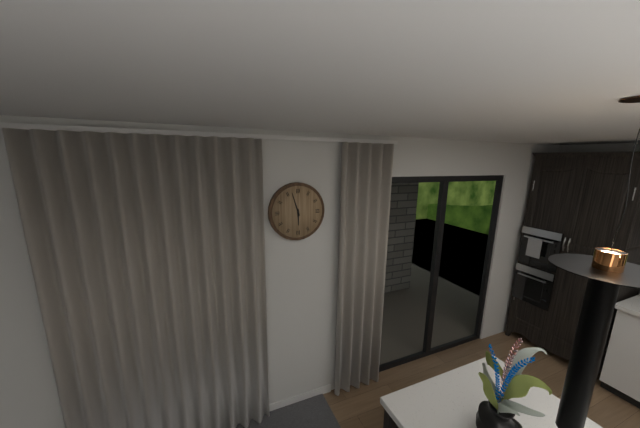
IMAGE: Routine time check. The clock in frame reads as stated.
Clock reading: 5:57
